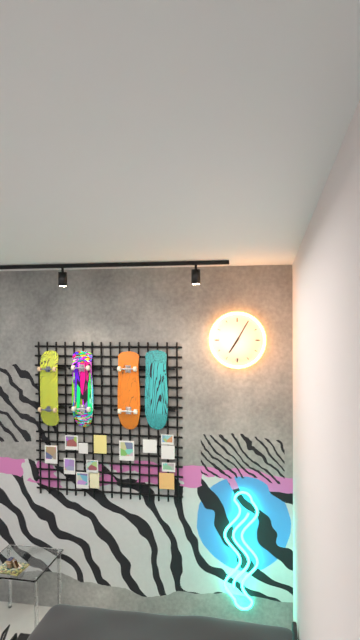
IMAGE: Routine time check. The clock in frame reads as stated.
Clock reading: 7:05
